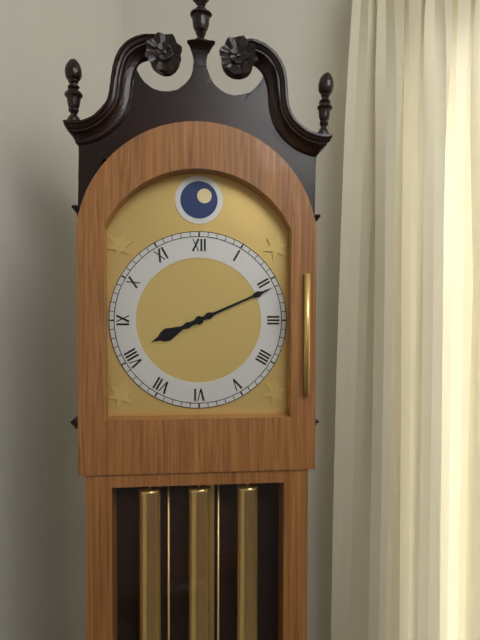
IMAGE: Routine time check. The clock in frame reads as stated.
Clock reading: 8:11
